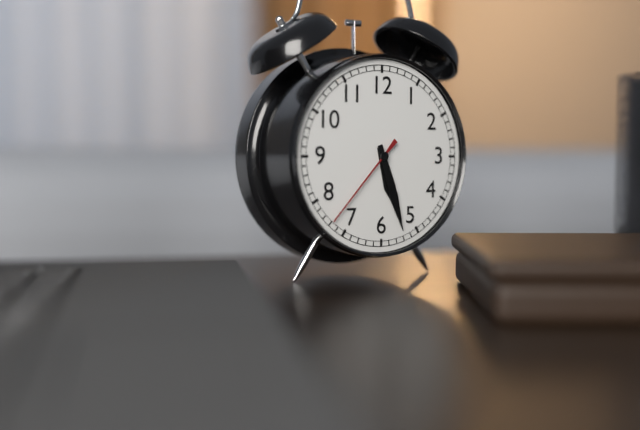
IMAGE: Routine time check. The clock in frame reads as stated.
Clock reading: 5:27:37
